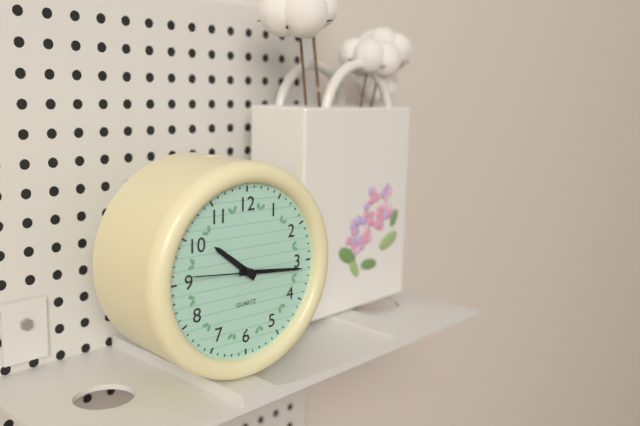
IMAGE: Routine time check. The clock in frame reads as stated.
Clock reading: 10:16:46
